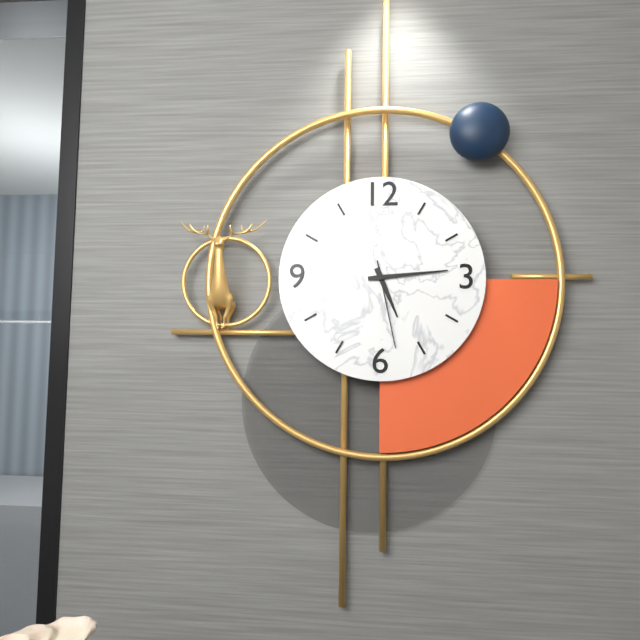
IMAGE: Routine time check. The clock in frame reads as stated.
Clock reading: 5:14:28
